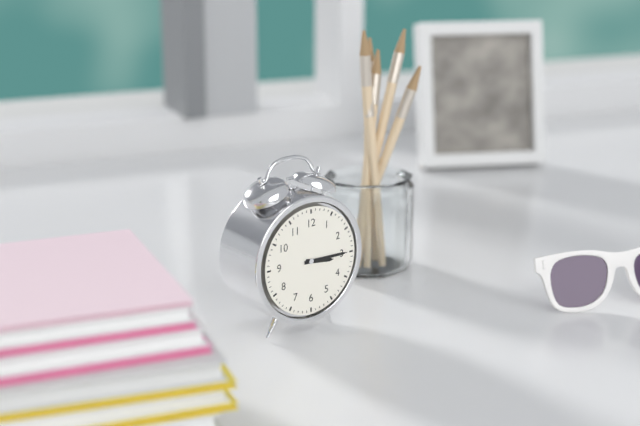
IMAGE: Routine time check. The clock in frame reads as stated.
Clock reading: 3:15
